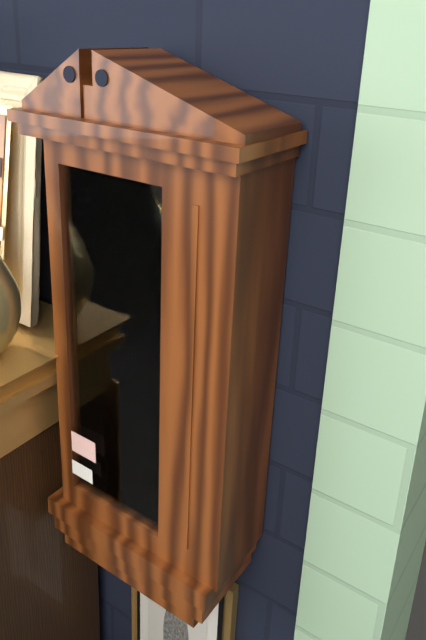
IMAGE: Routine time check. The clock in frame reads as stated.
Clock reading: 2:19
